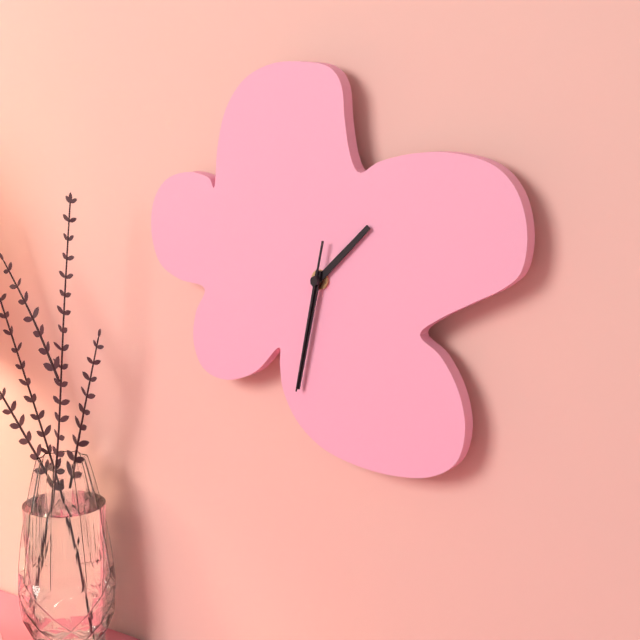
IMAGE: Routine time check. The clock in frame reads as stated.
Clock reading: 1:32:32
